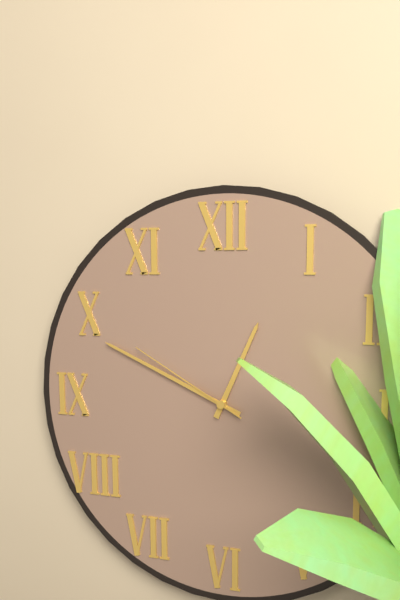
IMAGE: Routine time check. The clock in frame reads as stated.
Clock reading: 12:49:50
